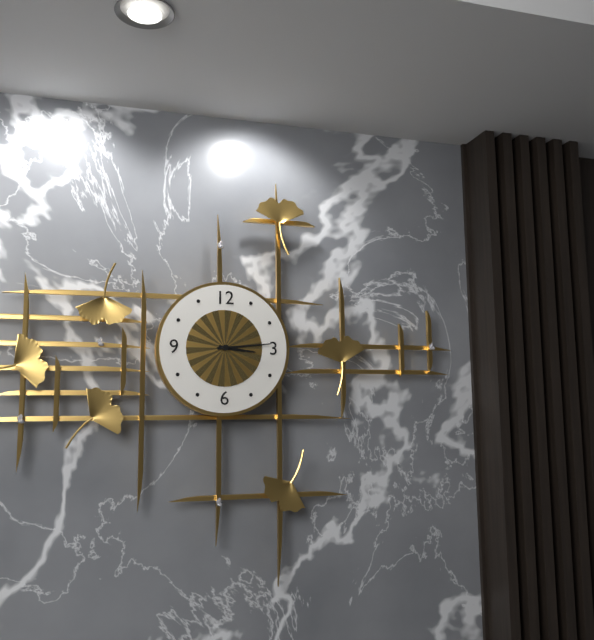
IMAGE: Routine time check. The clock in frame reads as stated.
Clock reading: 3:14
